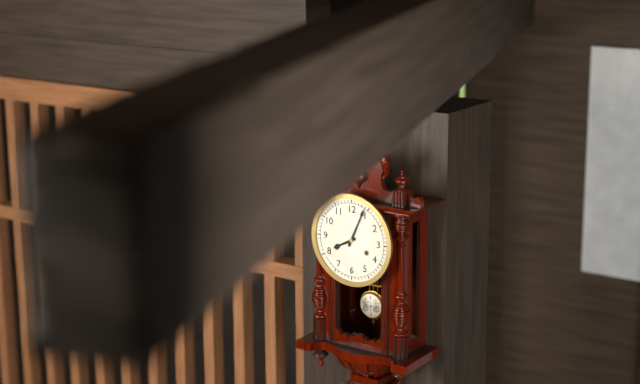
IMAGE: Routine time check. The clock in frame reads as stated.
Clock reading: 8:04
